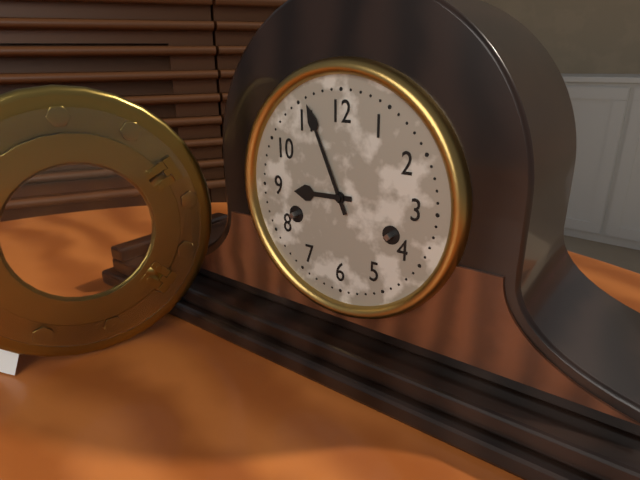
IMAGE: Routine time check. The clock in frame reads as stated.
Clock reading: 8:56
